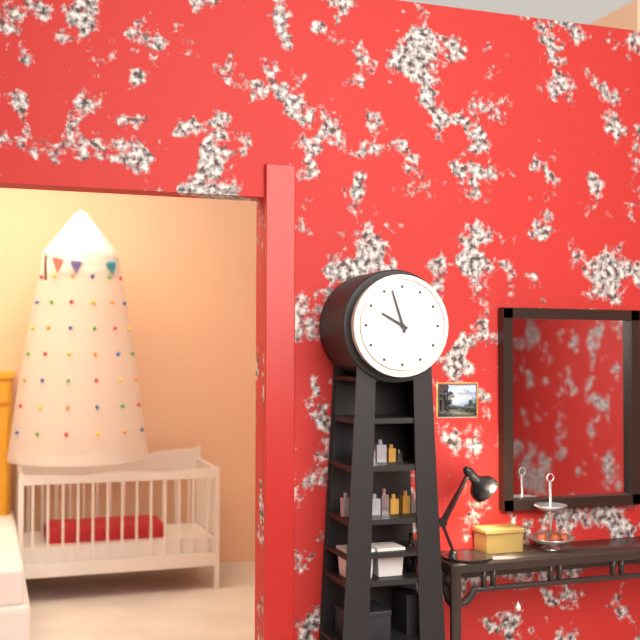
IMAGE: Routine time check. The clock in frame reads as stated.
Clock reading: 9:57
